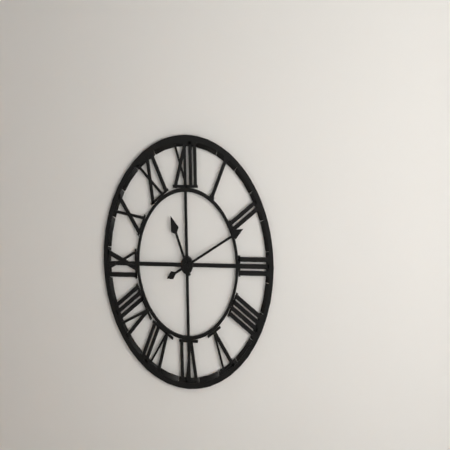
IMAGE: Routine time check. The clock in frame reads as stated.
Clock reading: 11:11
